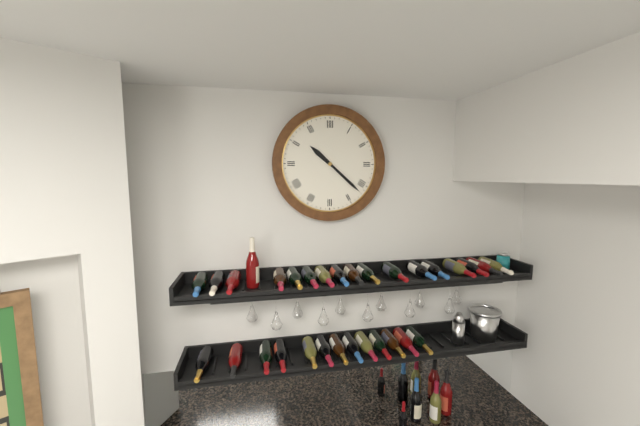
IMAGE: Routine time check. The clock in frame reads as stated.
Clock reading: 10:22
